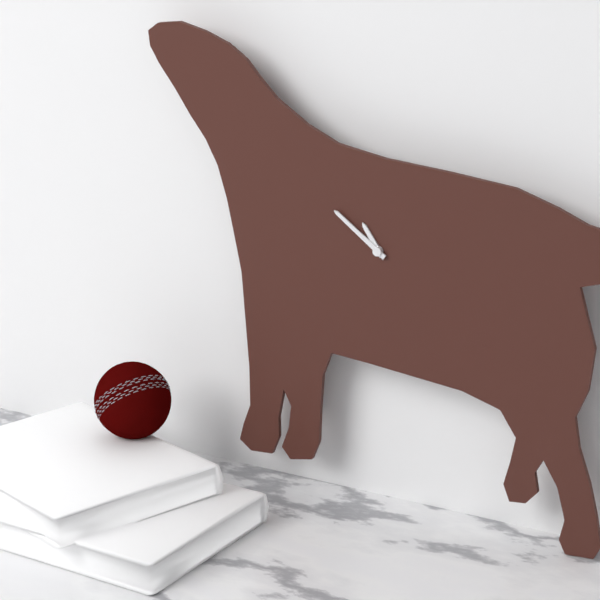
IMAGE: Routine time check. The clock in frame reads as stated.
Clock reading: 10:51
